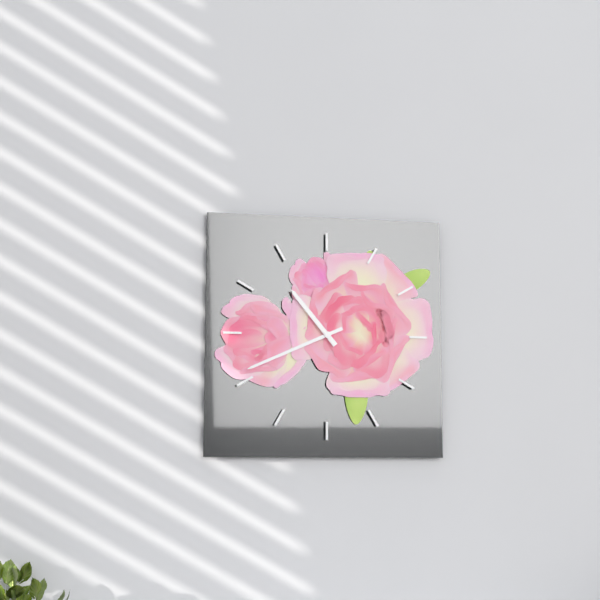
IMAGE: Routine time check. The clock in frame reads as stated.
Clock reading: 10:41
